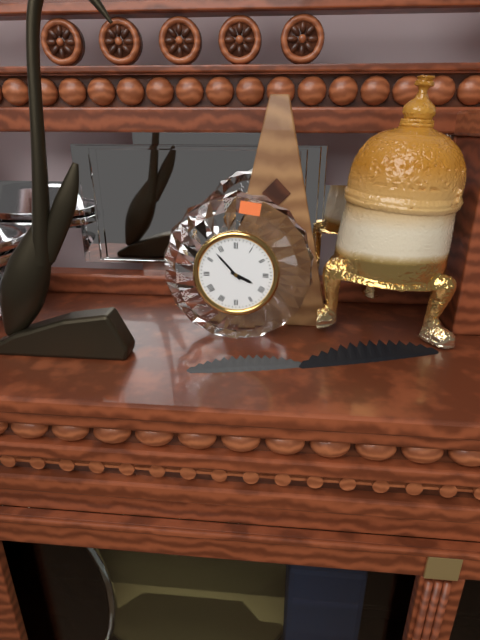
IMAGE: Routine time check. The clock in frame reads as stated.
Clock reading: 3:53
